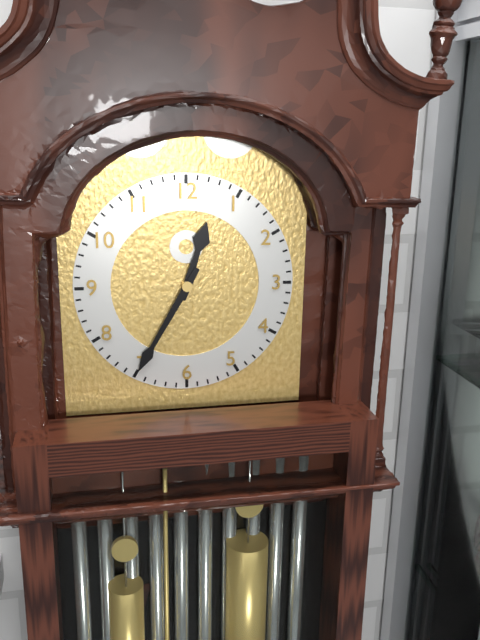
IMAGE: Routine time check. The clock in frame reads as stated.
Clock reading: 12:35
